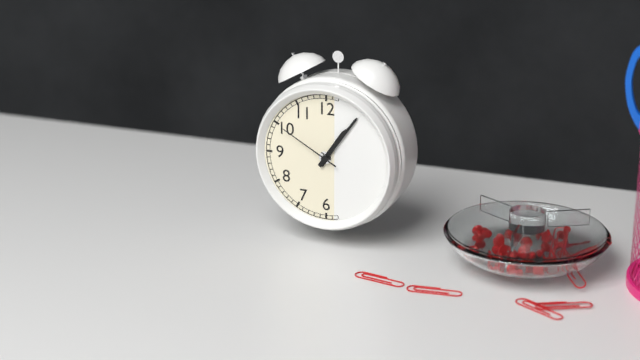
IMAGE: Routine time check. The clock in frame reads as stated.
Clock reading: 1:06:50
